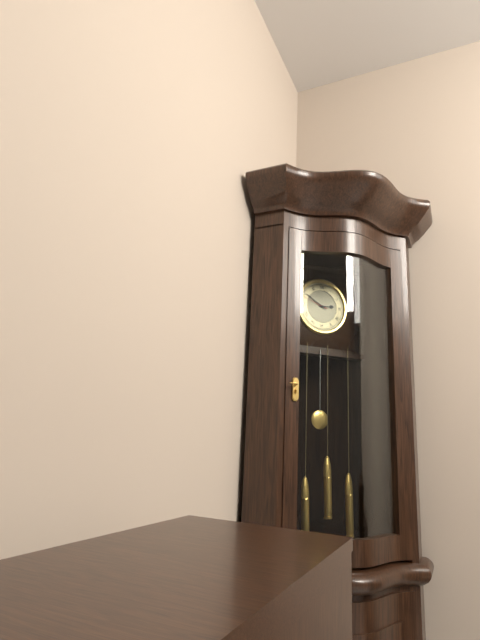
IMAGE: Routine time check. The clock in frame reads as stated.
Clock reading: 2:50
